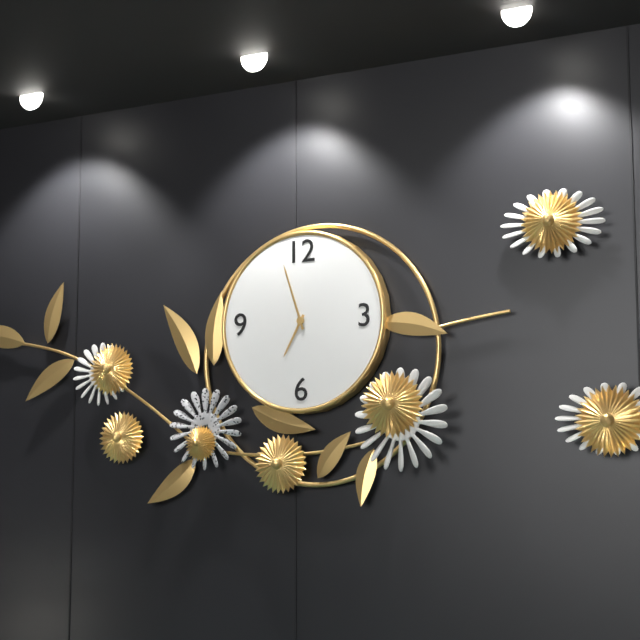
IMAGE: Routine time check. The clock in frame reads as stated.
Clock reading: 6:57
